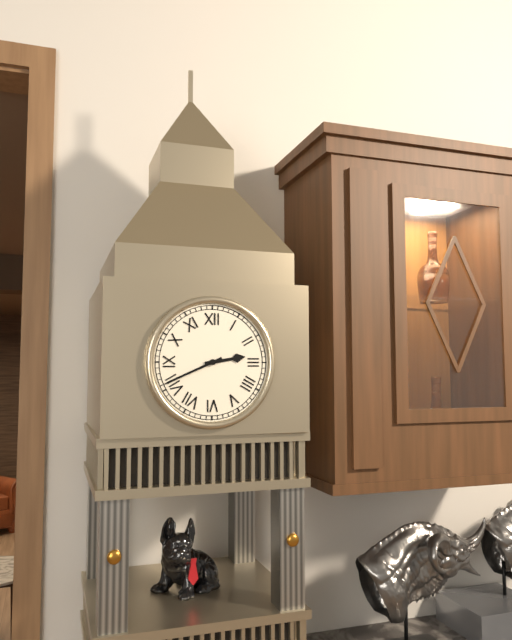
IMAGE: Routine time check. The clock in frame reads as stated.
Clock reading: 2:41
